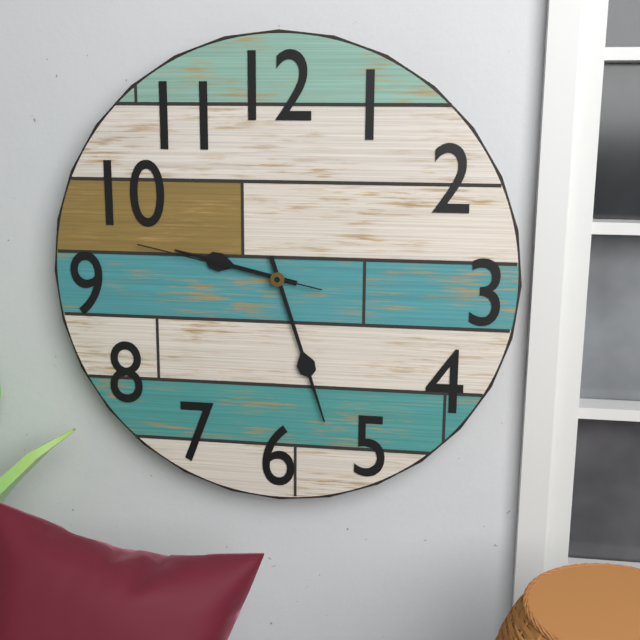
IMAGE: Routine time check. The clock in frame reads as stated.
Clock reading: 9:27:47
